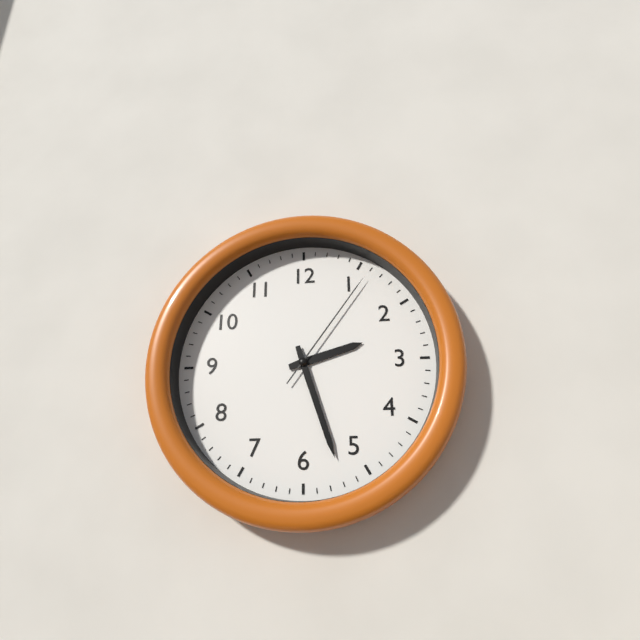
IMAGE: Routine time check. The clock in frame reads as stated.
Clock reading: 2:27:06
